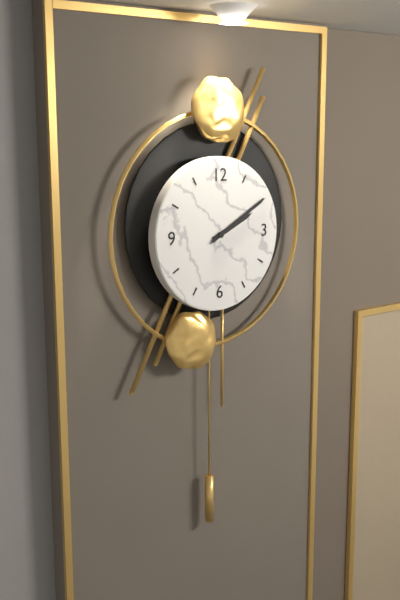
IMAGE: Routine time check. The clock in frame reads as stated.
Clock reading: 2:10:10
